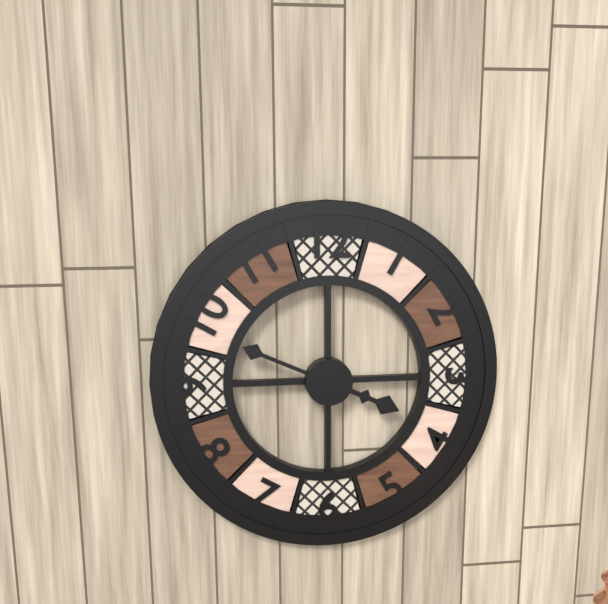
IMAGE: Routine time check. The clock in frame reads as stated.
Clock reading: 3:49
